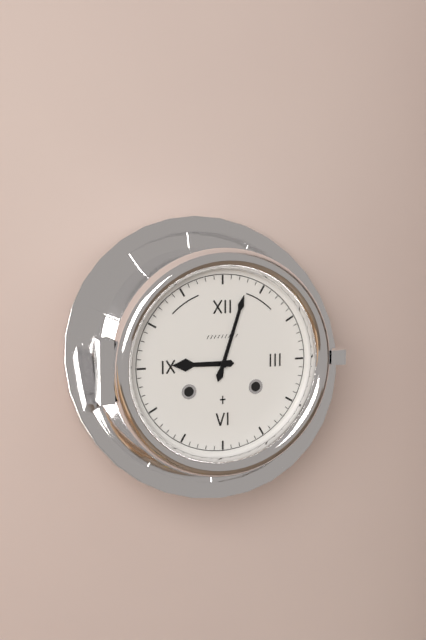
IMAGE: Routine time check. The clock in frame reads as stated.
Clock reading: 9:03
